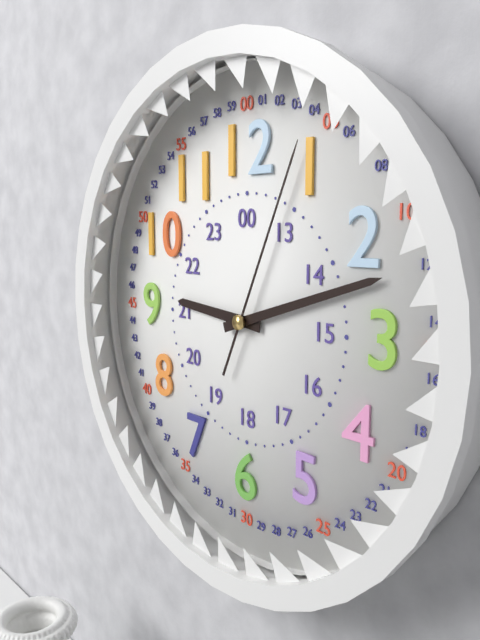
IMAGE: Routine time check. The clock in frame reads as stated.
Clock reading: 9:12:04
